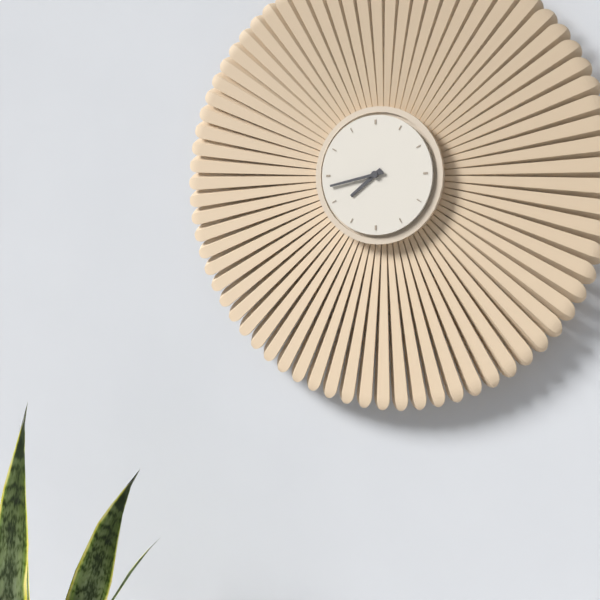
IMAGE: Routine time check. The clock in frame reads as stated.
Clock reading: 7:43
